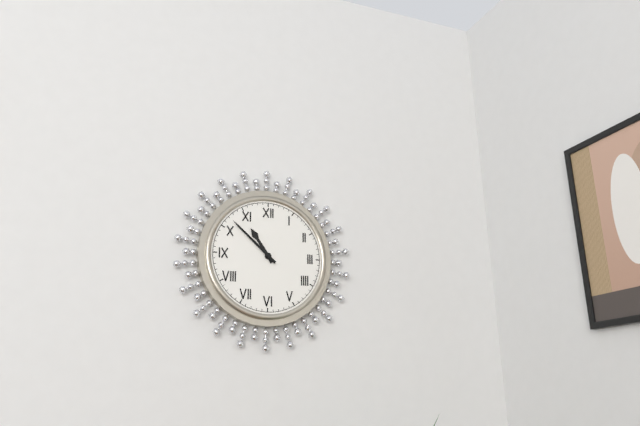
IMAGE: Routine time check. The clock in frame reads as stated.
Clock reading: 10:52
